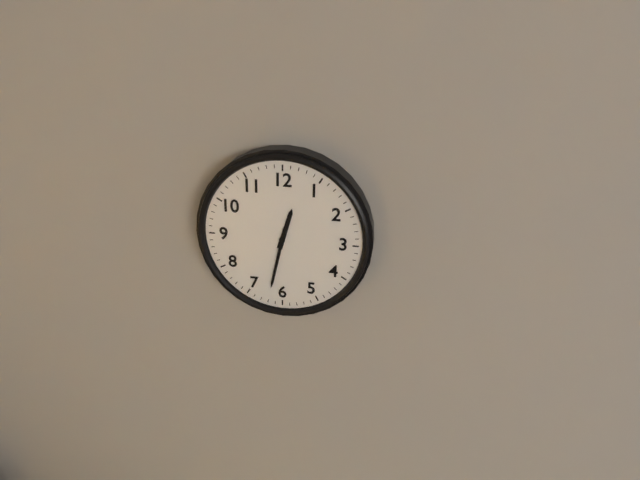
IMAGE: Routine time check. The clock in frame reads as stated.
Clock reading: 12:32
